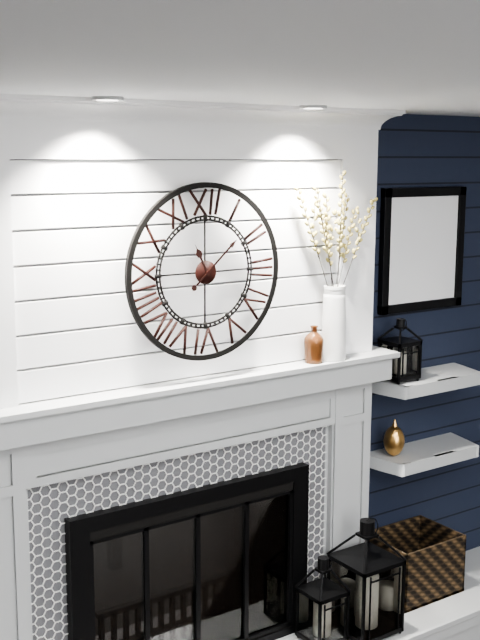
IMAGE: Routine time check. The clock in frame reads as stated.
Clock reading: 11:08
